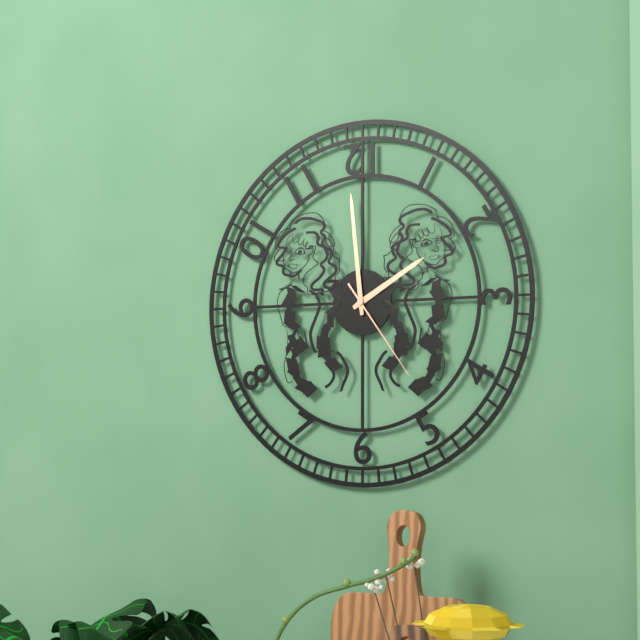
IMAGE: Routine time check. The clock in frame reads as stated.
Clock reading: 1:59:24
